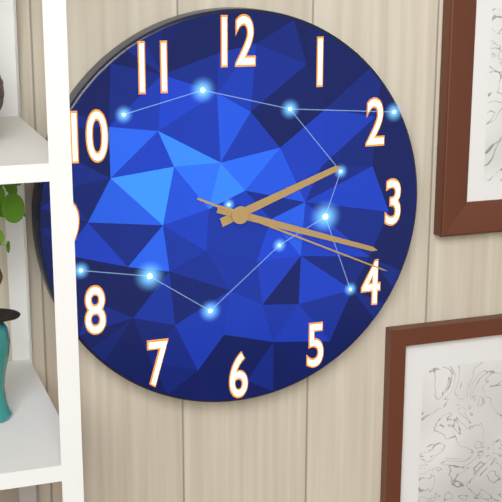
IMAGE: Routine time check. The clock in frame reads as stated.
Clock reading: 2:18:19
